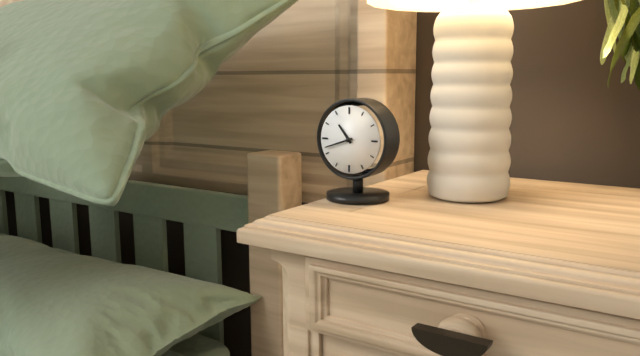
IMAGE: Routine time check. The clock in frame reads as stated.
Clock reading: 10:42
